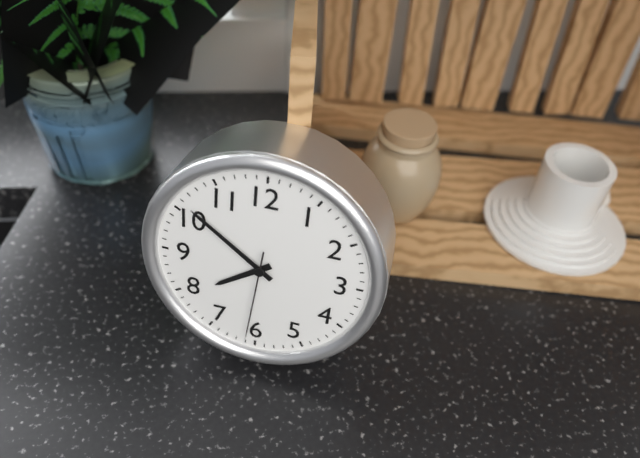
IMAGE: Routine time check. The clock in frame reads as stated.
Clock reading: 7:51:31
